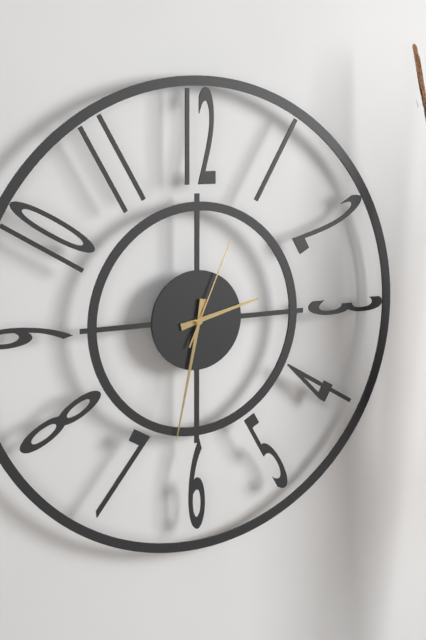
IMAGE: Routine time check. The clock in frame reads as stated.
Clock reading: 2:32:04
